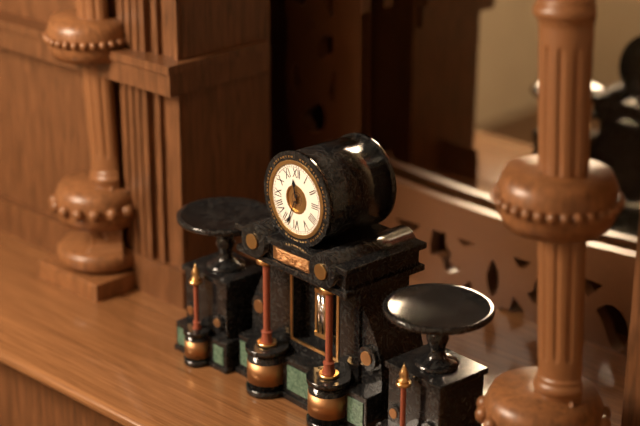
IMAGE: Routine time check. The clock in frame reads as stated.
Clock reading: 11:34
